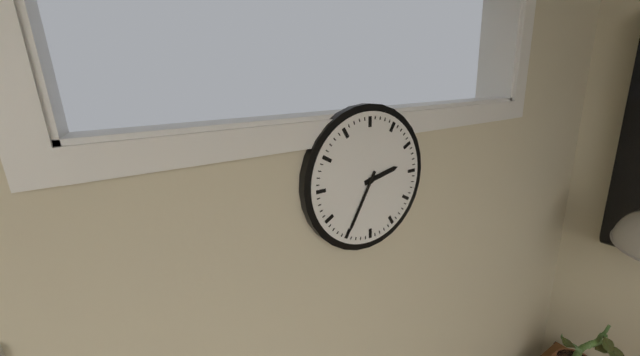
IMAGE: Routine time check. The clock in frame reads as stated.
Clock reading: 2:35
